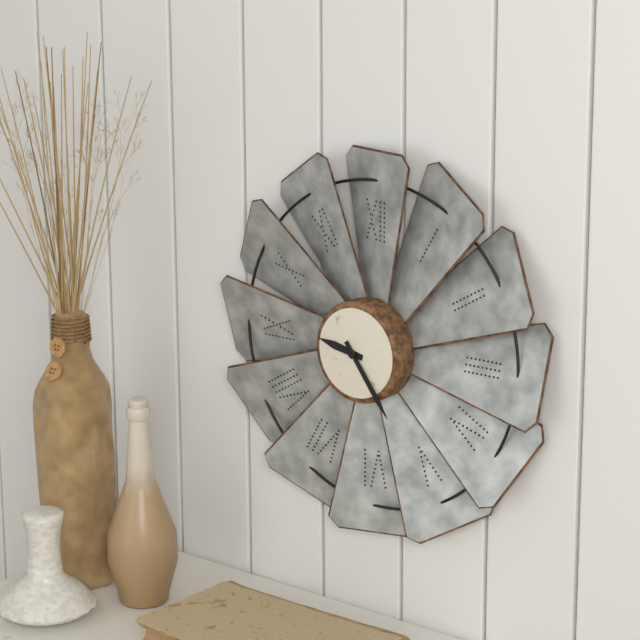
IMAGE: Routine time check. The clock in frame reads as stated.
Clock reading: 9:24
